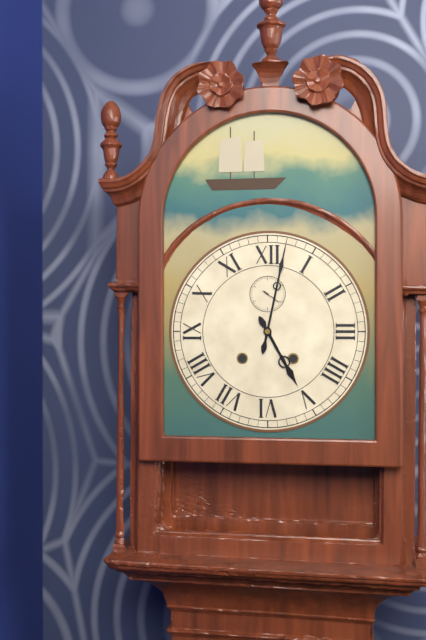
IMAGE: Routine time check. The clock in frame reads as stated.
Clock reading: 5:02
